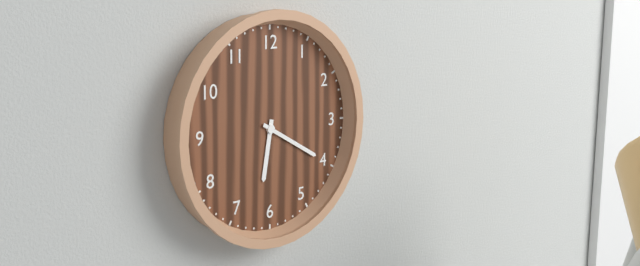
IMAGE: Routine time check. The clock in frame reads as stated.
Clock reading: 6:20
